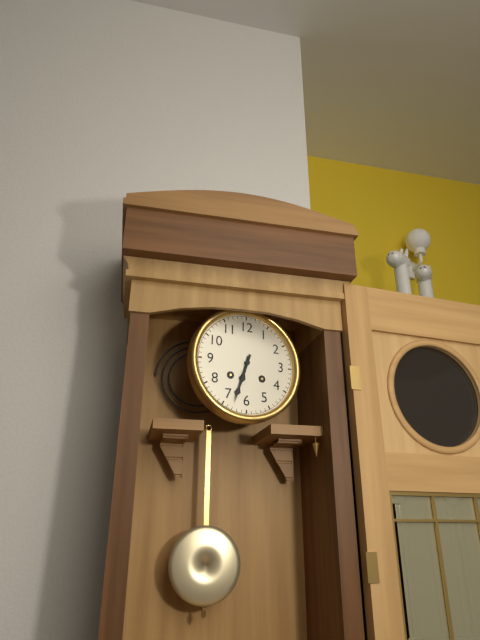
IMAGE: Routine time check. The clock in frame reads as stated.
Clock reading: 6:33
